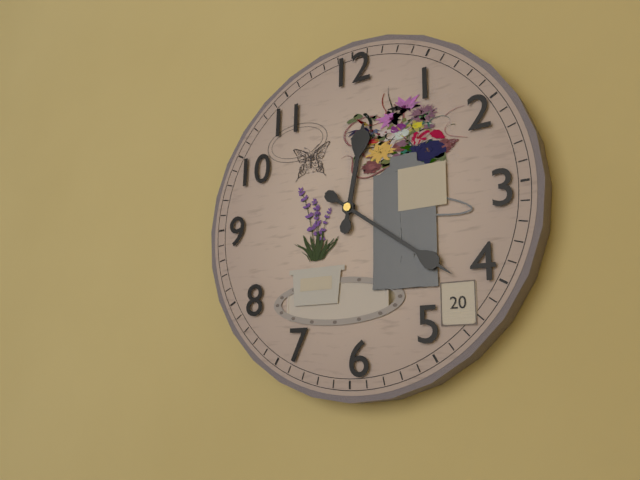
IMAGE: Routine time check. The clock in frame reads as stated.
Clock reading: 12:21
